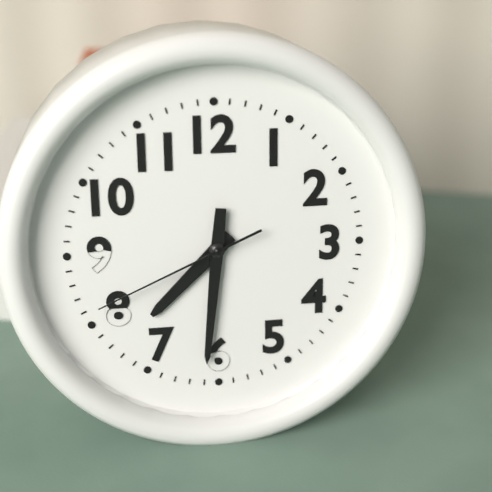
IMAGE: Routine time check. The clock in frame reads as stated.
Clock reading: 7:31:41
